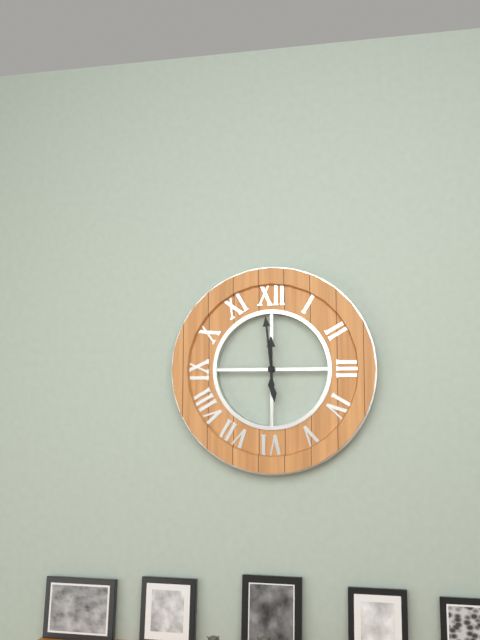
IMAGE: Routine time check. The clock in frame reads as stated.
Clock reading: 11:59
